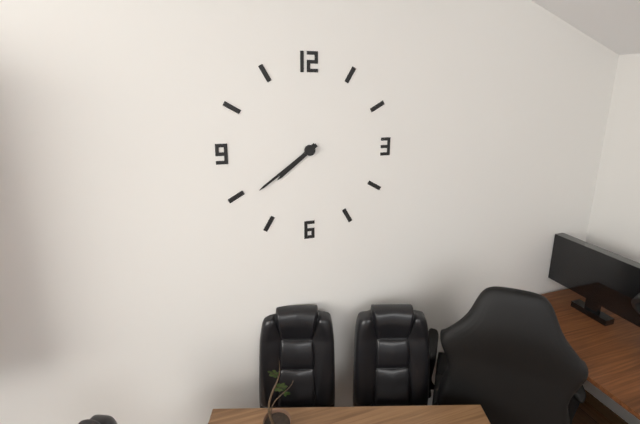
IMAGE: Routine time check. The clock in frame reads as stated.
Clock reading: 7:39
